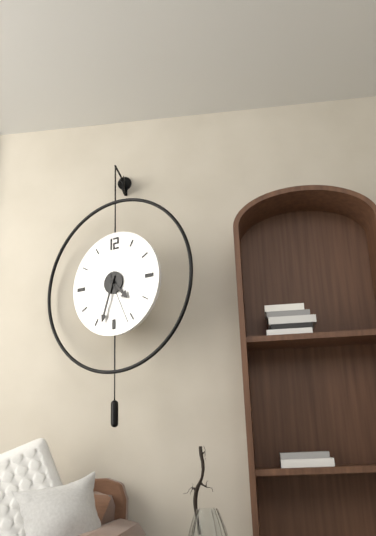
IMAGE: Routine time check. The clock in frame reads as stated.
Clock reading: 4:33:26
